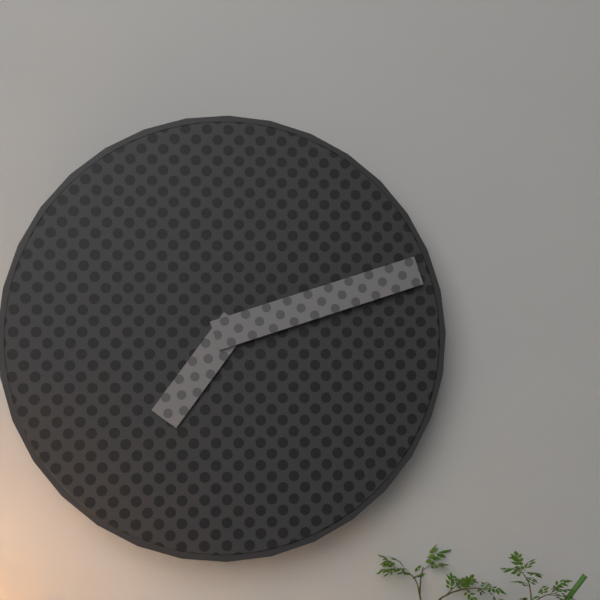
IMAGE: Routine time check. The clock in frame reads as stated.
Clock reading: 7:12
